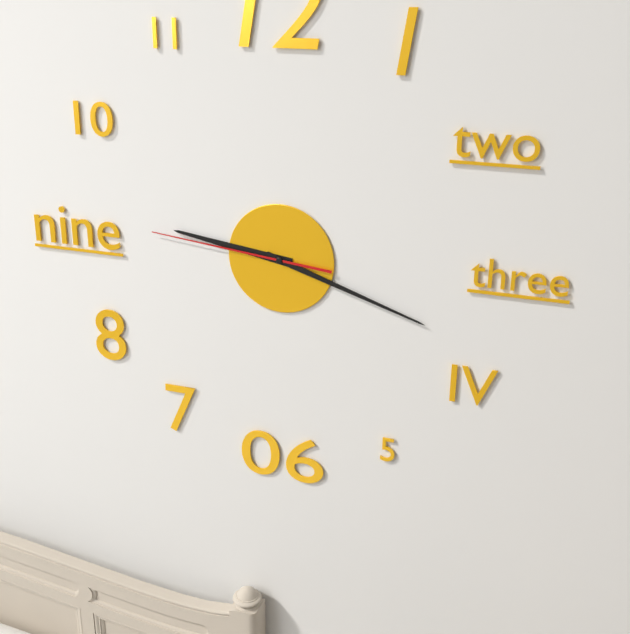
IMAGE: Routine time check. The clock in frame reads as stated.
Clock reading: 9:18:46
